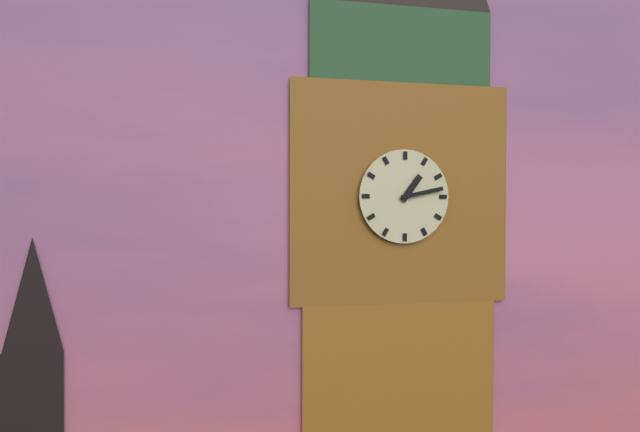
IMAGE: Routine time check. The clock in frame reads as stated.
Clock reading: 1:13
